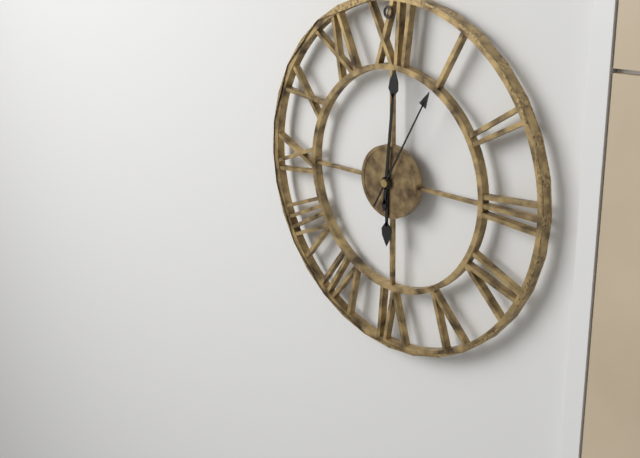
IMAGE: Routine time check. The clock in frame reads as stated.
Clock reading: 6:01:05
